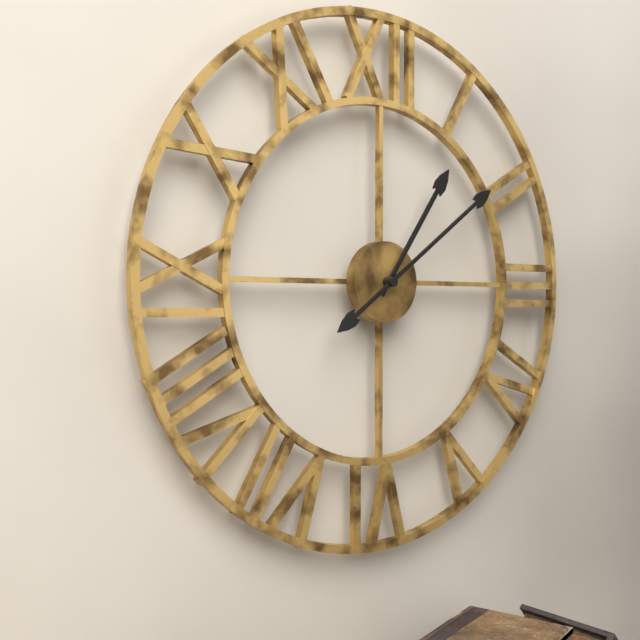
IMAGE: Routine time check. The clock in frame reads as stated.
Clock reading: 1:09
